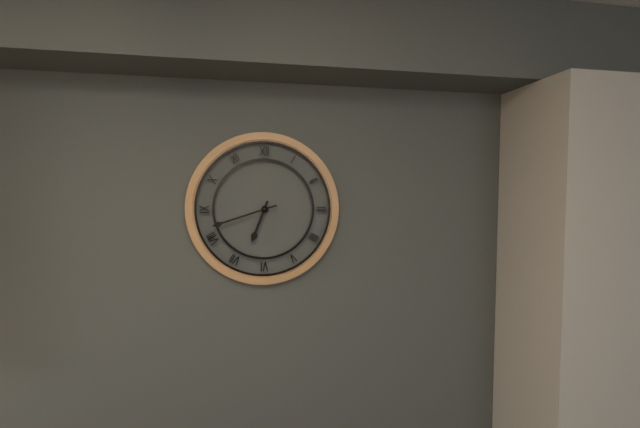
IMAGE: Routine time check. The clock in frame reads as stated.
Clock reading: 6:42
